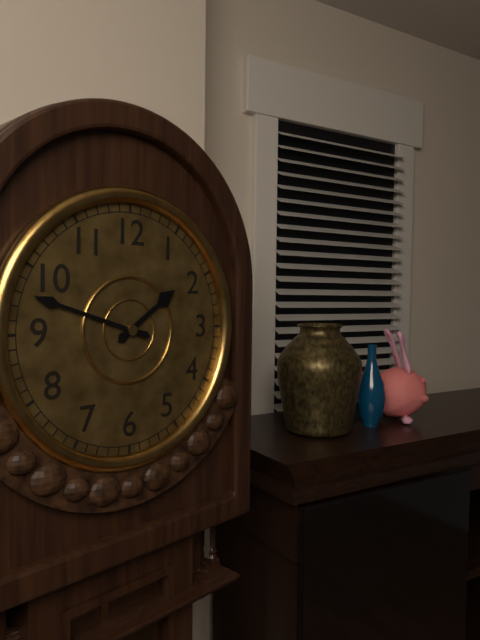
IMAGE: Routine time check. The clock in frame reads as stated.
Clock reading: 1:48
